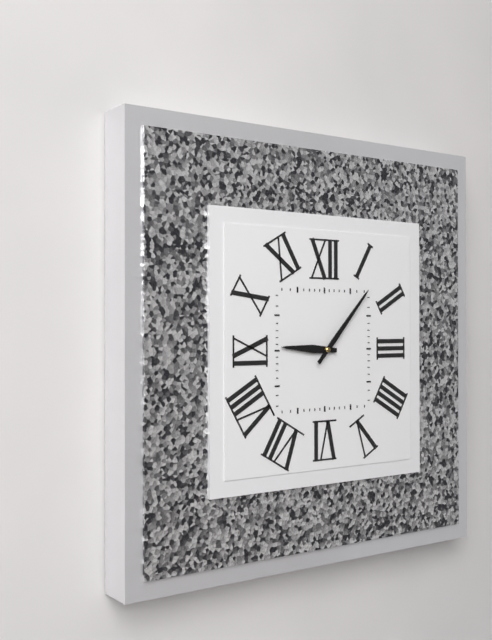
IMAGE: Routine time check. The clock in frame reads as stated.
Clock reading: 9:07
